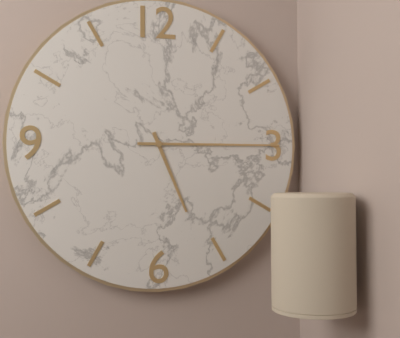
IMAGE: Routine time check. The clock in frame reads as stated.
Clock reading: 5:15
